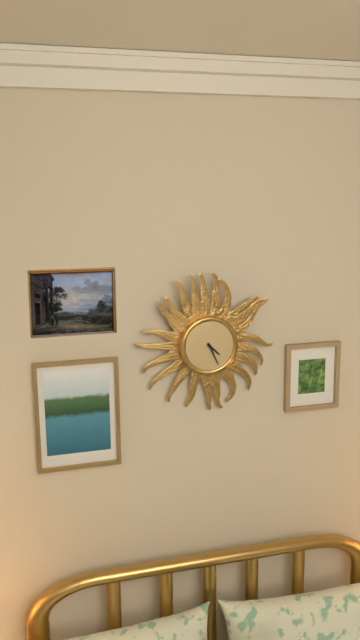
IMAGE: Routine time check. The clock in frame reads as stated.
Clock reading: 4:26
